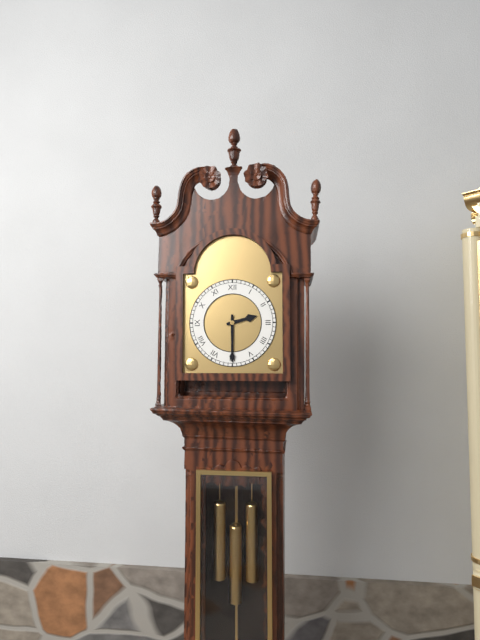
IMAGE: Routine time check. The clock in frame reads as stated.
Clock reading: 2:30
